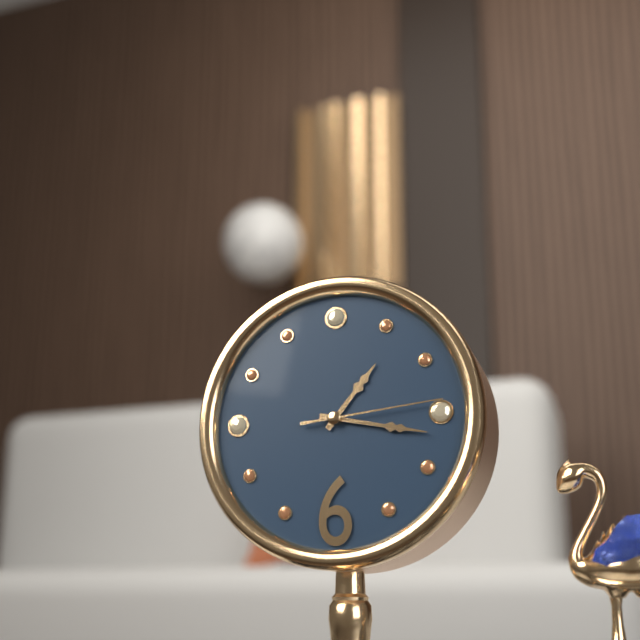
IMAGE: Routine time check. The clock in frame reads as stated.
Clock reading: 1:17:14
